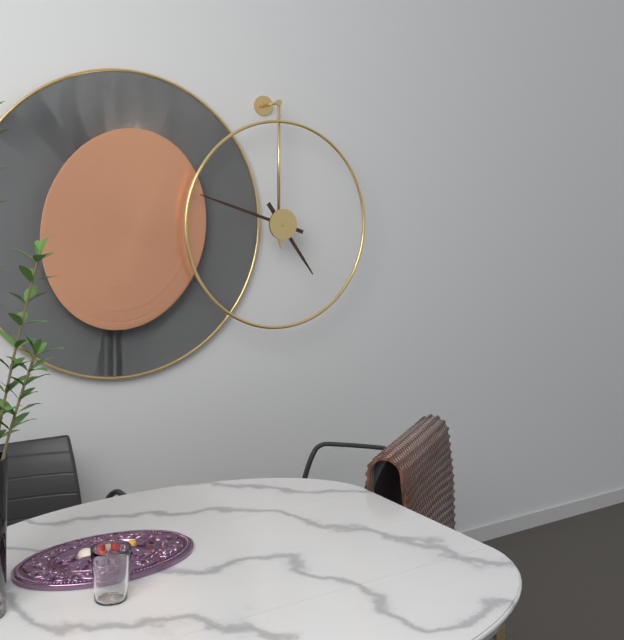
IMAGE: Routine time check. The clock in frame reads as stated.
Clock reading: 4:48
